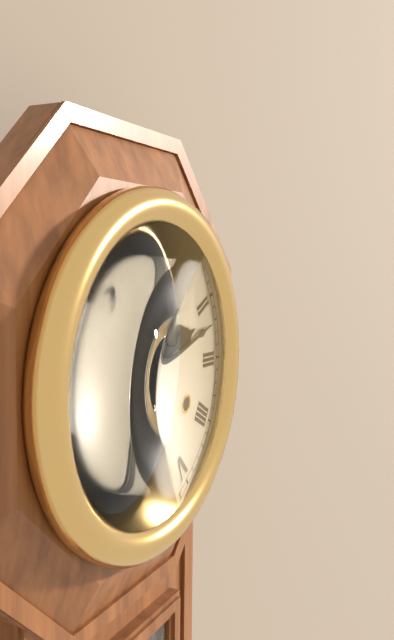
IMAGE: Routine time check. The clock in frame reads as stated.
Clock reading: 2:12
